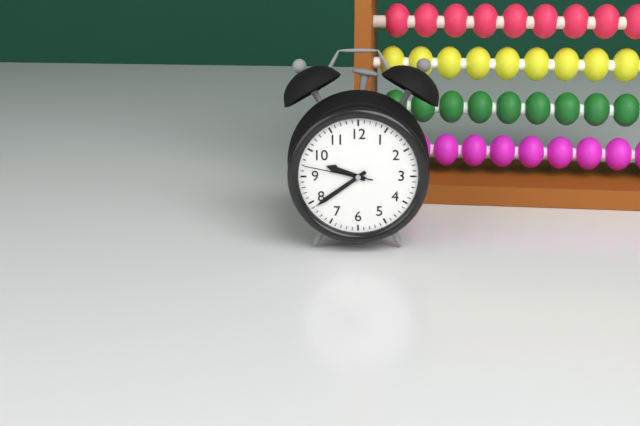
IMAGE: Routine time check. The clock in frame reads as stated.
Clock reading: 9:39:47
